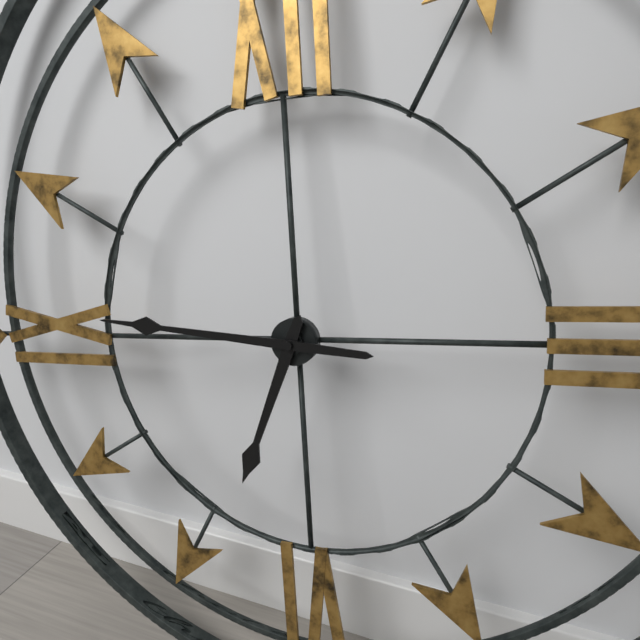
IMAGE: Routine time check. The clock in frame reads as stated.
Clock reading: 6:46
